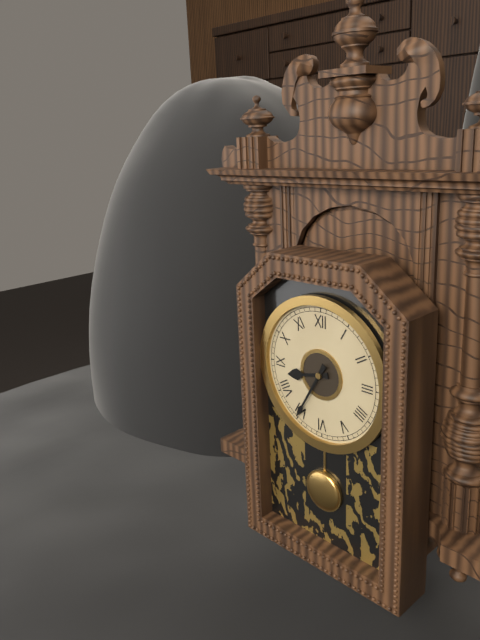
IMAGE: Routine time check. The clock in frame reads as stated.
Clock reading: 8:35
